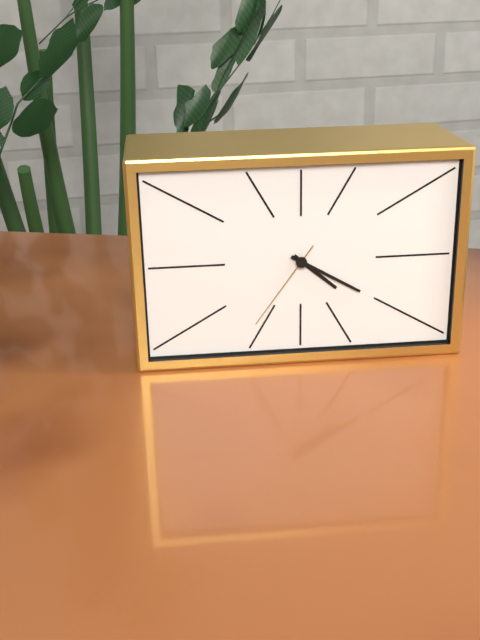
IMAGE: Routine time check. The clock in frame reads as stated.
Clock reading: 4:20:36
